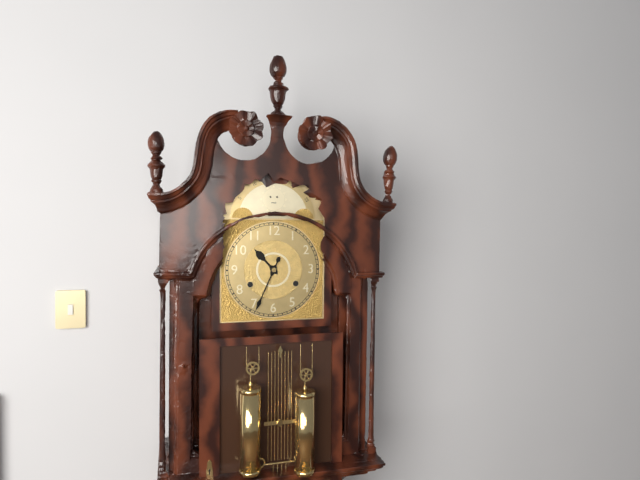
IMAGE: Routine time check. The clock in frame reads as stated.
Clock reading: 10:34
